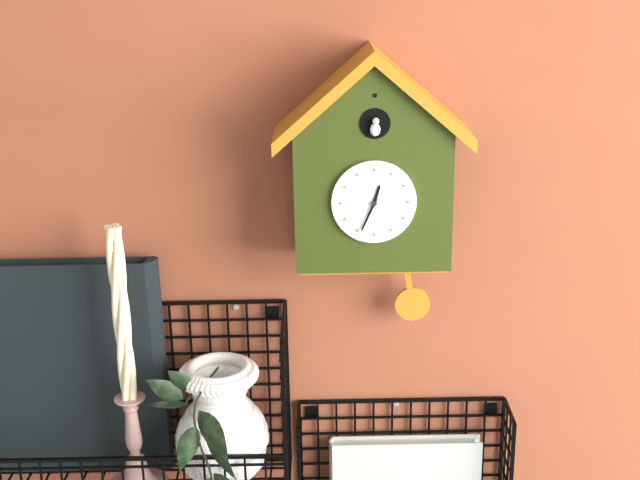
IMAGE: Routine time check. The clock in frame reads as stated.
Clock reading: 12:34
